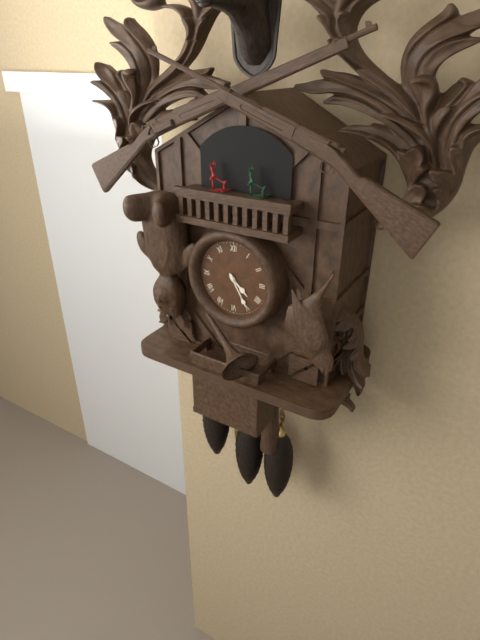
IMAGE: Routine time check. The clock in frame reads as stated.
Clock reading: 4:25
